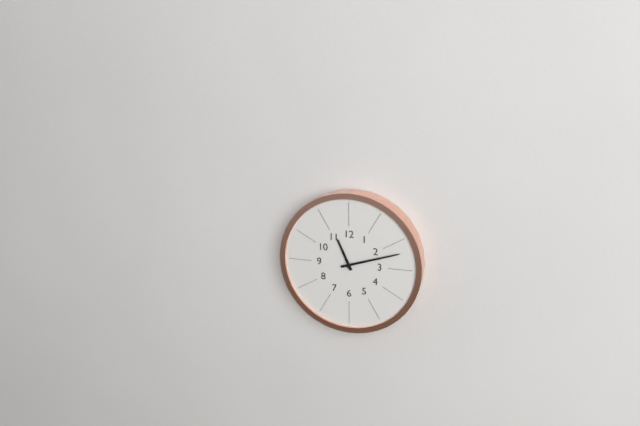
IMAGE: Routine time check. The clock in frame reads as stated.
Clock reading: 11:12
